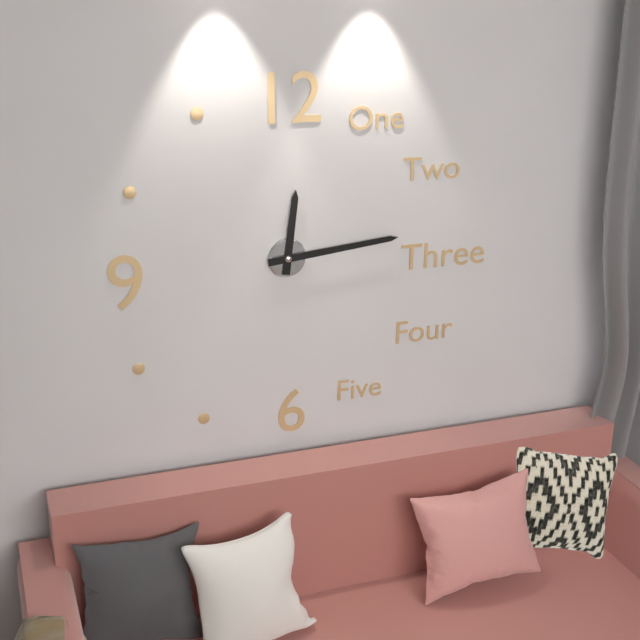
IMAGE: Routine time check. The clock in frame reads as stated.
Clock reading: 12:14
